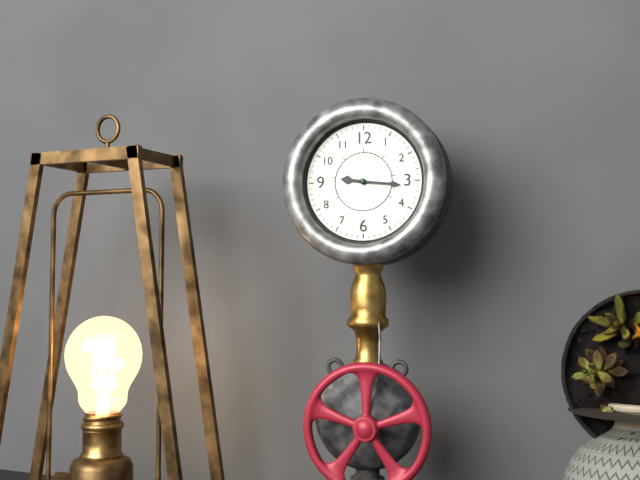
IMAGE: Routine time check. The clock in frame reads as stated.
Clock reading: 9:16
